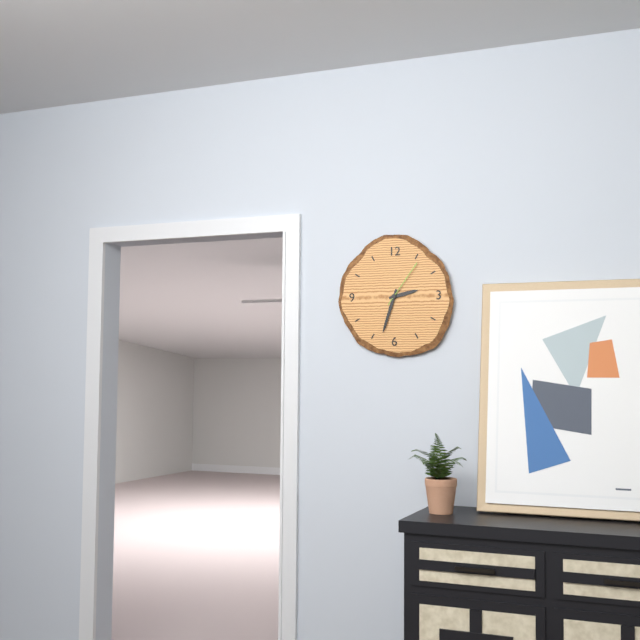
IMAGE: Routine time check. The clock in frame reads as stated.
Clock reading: 2:33:06
